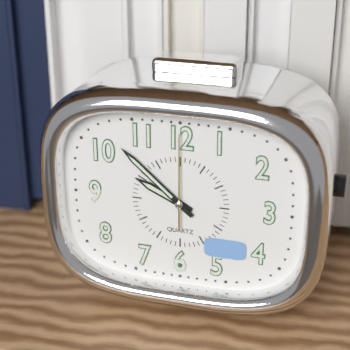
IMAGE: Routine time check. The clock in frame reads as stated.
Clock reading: 9:52:00
